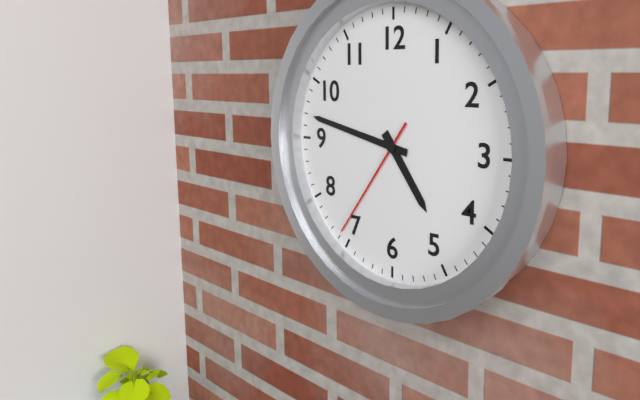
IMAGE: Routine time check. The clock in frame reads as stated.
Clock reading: 4:47:36
